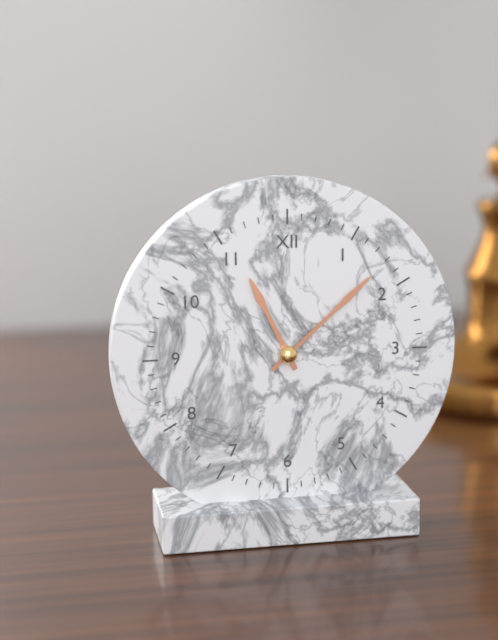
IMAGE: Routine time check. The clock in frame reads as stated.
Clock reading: 11:08
